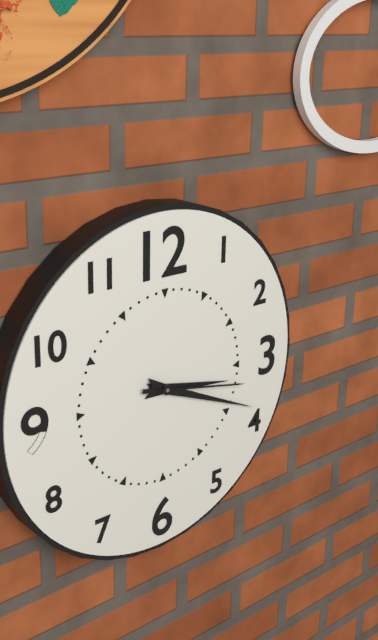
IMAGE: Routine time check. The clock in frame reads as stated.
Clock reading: 3:19:17
